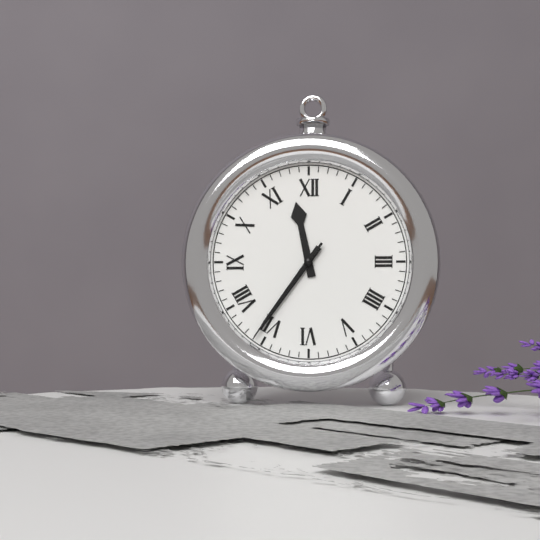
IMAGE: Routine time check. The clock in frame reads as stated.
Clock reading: 11:36:36
